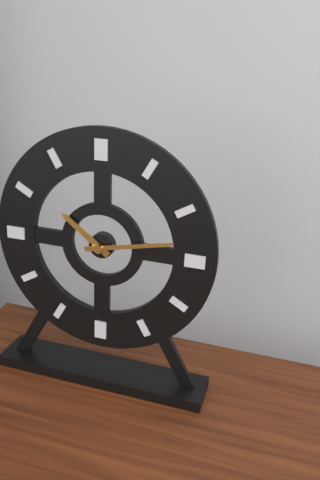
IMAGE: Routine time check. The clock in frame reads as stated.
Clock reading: 10:13
